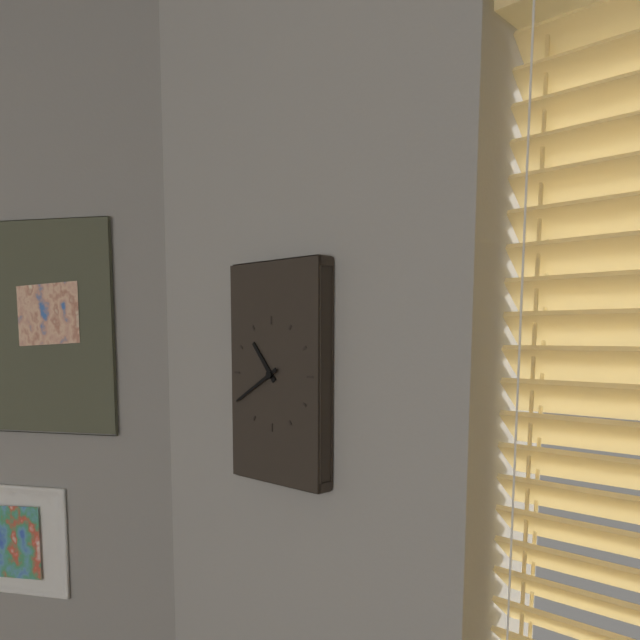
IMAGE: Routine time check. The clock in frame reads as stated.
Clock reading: 10:40
